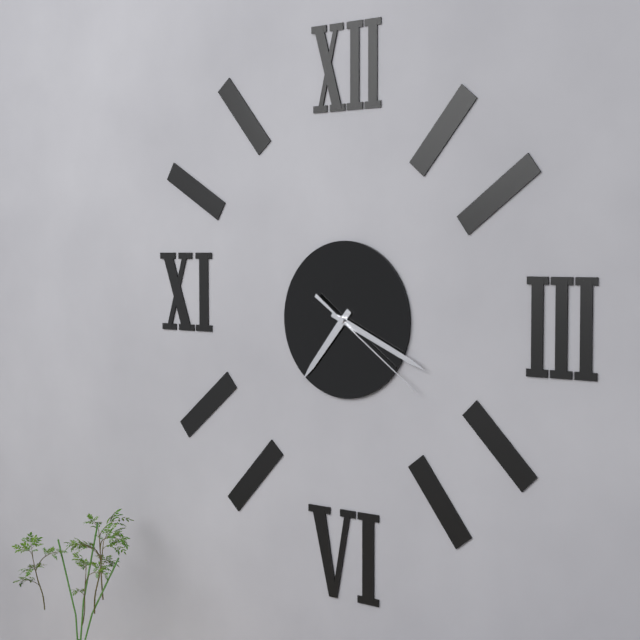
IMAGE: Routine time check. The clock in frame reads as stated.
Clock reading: 7:19:21
